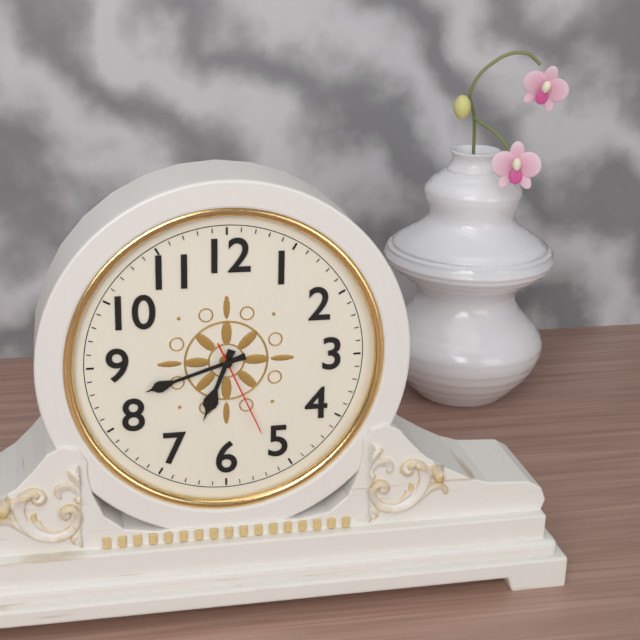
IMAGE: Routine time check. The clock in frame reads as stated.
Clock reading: 6:42:26
